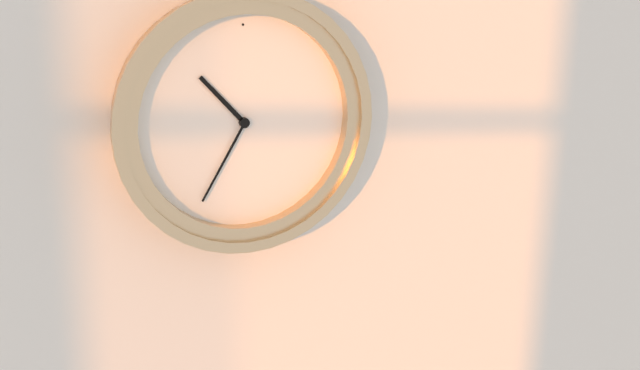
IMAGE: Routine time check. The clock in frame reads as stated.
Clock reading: 10:35
